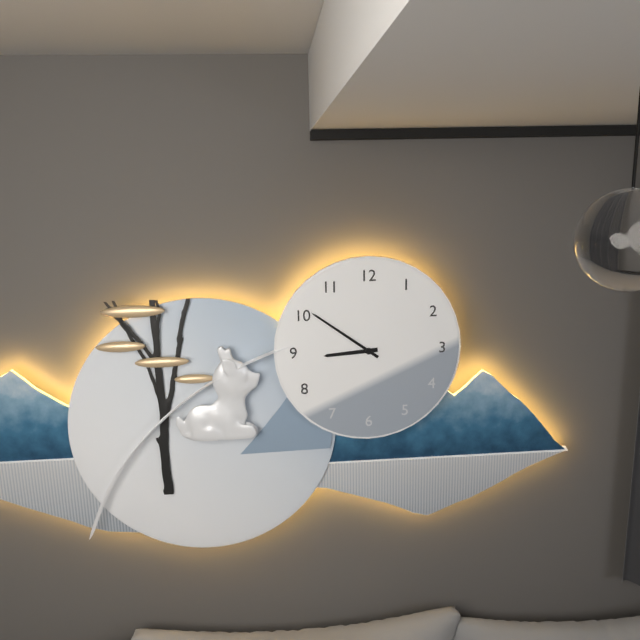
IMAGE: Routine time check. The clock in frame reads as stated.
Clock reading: 8:51
